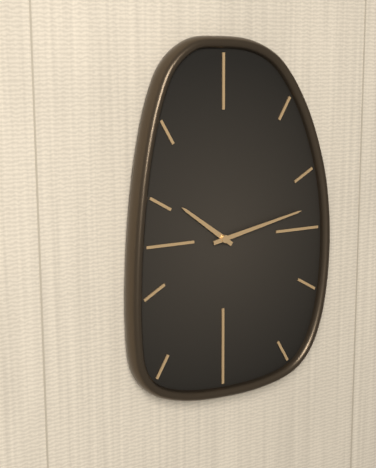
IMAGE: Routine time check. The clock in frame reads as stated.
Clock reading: 10:13
